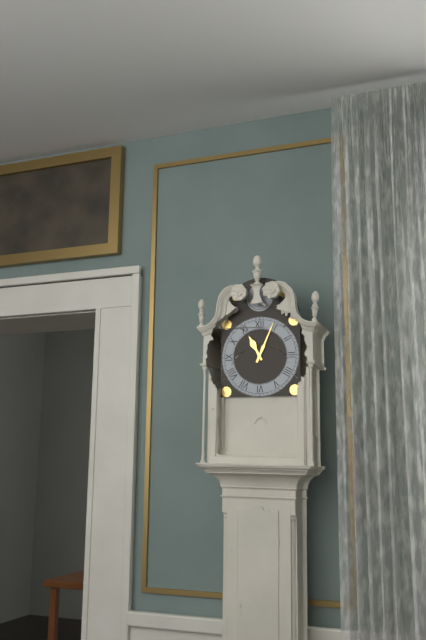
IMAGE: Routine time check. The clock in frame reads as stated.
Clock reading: 11:04
